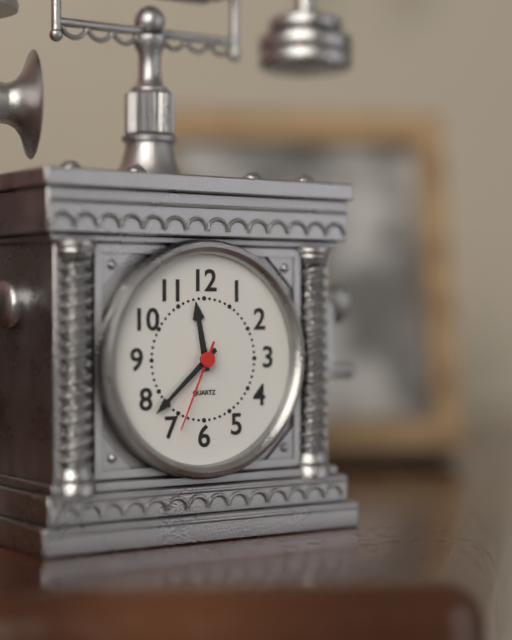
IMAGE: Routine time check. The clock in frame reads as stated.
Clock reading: 11:38:34
